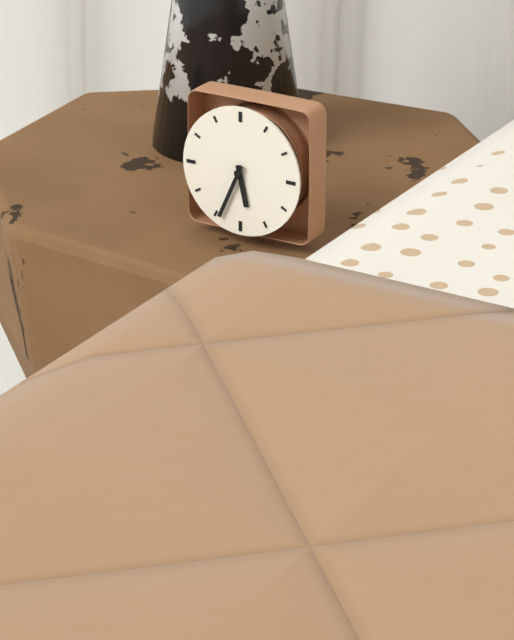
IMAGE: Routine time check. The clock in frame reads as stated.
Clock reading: 5:34
